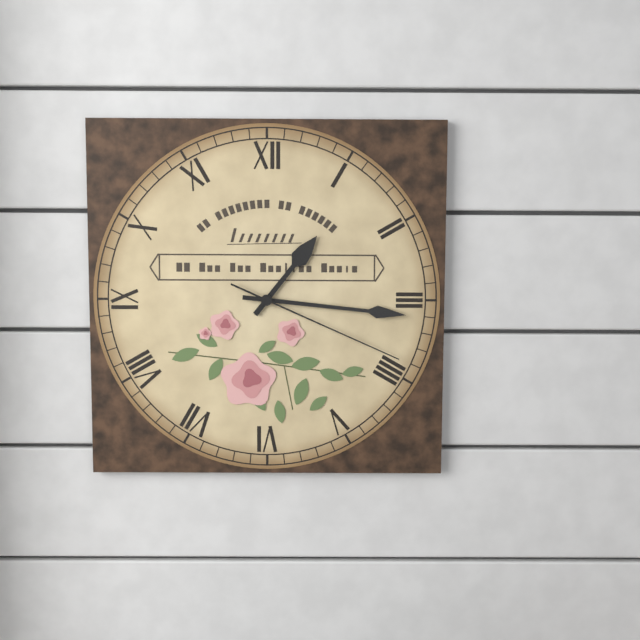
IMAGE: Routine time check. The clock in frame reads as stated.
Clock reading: 1:16:19
